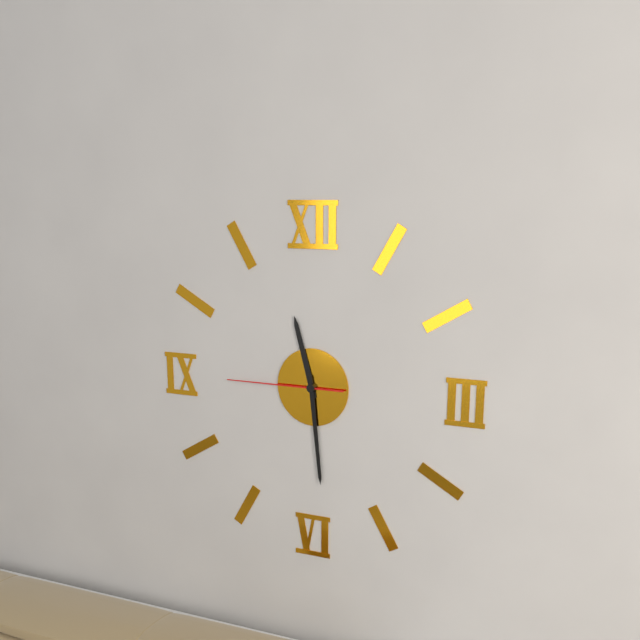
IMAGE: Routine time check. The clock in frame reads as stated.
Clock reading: 11:29:45
